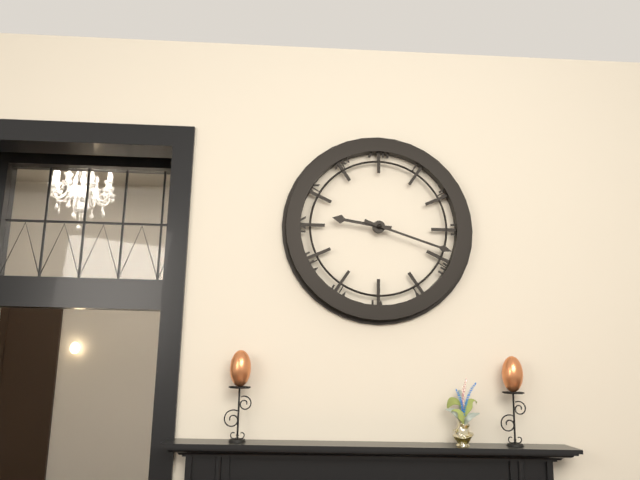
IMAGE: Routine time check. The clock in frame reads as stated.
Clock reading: 9:18
